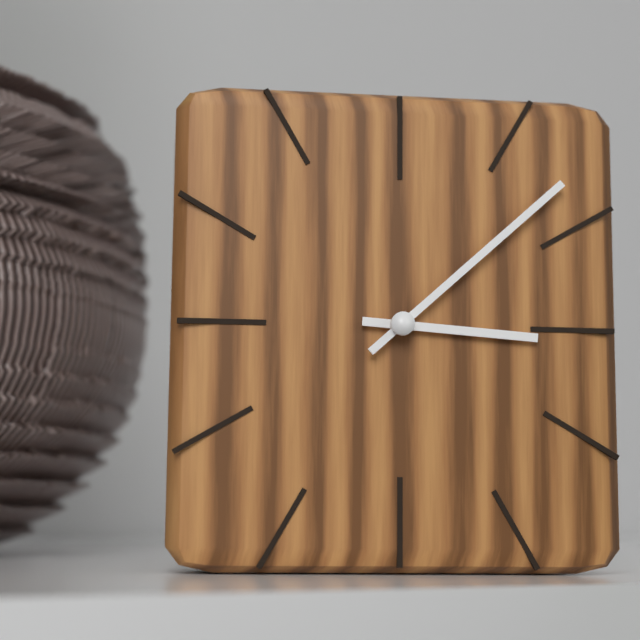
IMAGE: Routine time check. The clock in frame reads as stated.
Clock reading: 3:08
